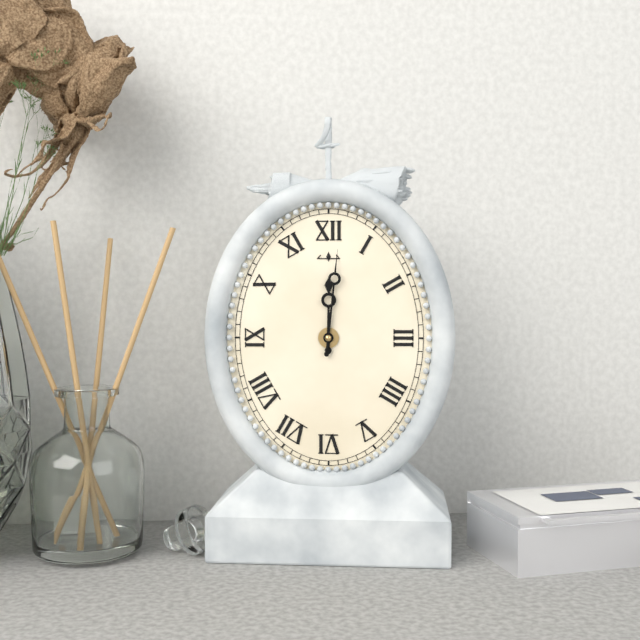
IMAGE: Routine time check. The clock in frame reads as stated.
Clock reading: 12:01
